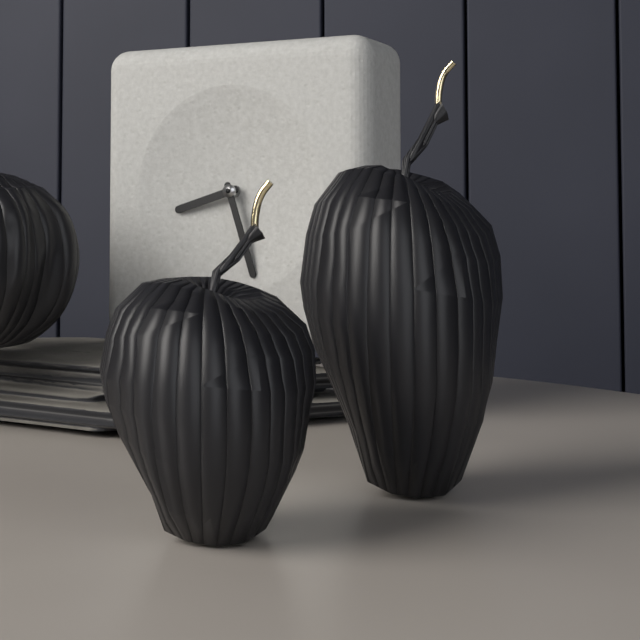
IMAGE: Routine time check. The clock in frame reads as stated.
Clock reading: 8:27
